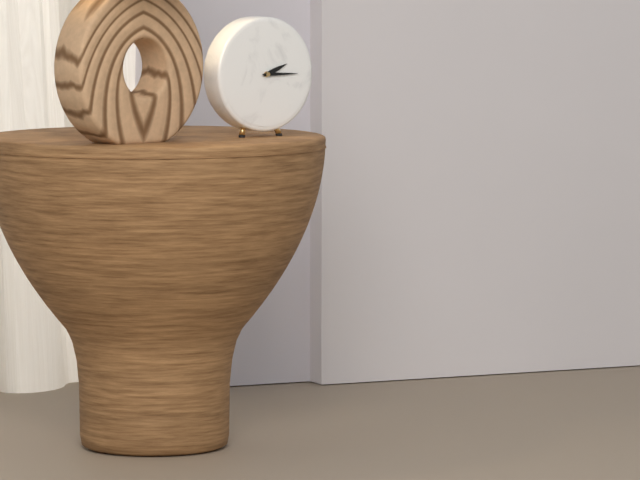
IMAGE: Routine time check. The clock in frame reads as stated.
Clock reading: 2:15
